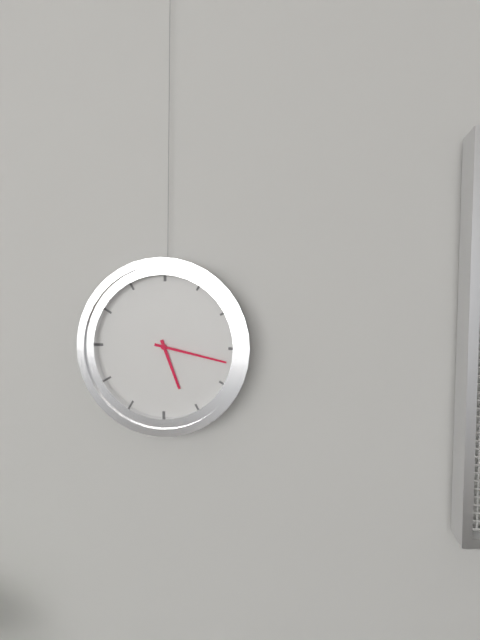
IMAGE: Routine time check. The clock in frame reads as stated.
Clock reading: 5:17
